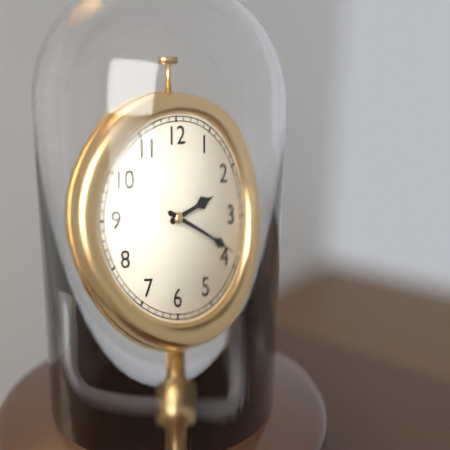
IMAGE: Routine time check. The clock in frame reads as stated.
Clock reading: 2:19
